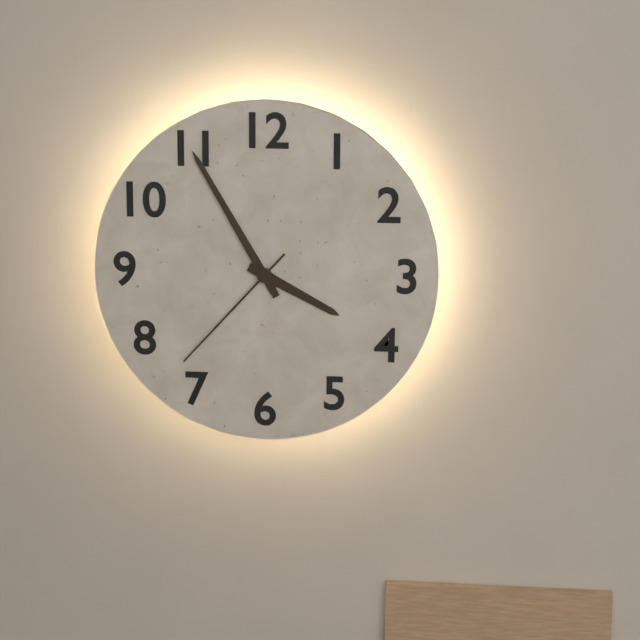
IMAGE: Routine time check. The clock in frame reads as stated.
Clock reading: 3:55:37
